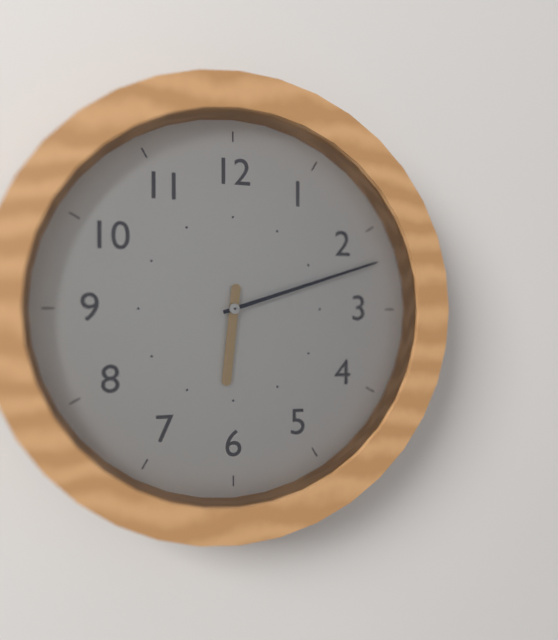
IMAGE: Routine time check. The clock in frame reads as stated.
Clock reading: 6:12
